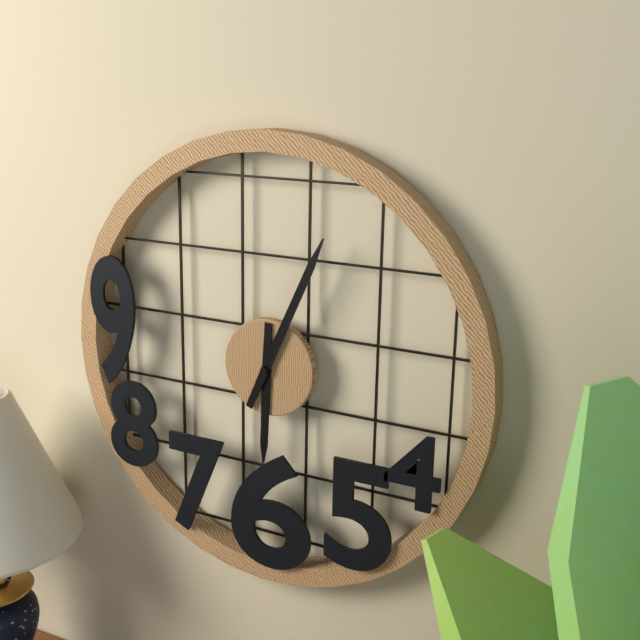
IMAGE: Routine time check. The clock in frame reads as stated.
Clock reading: 6:04
